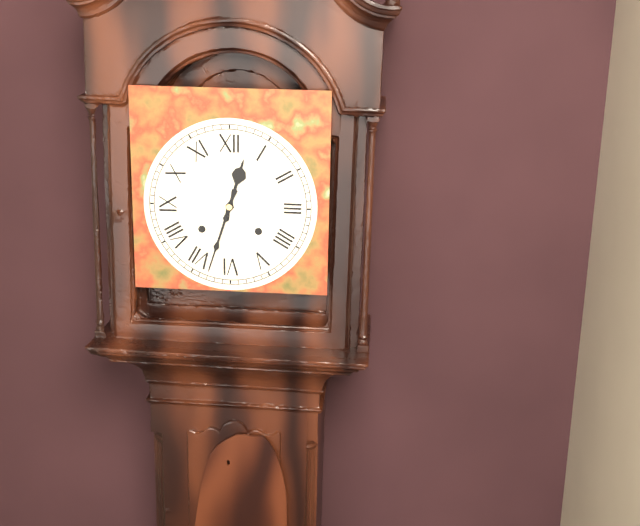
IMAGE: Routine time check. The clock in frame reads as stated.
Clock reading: 12:33
